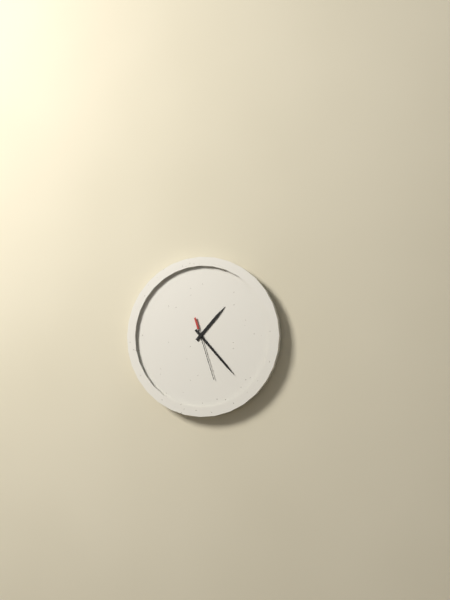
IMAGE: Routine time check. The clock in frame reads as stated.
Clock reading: 1:23:27
